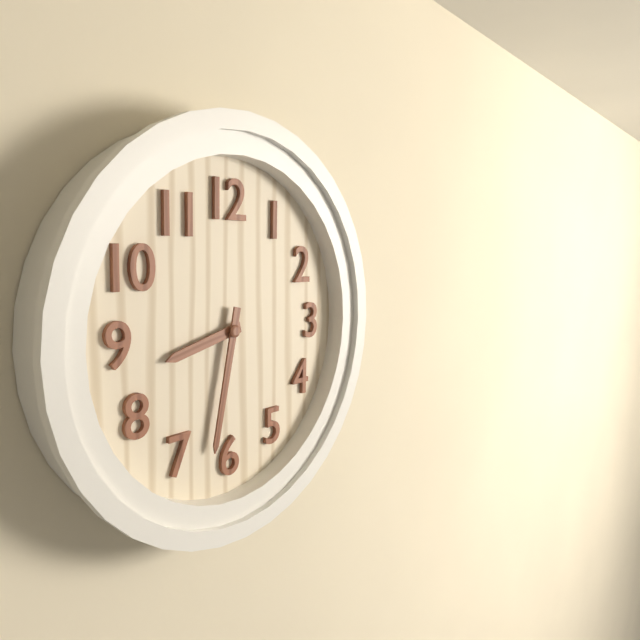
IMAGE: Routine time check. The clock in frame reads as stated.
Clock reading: 8:32
